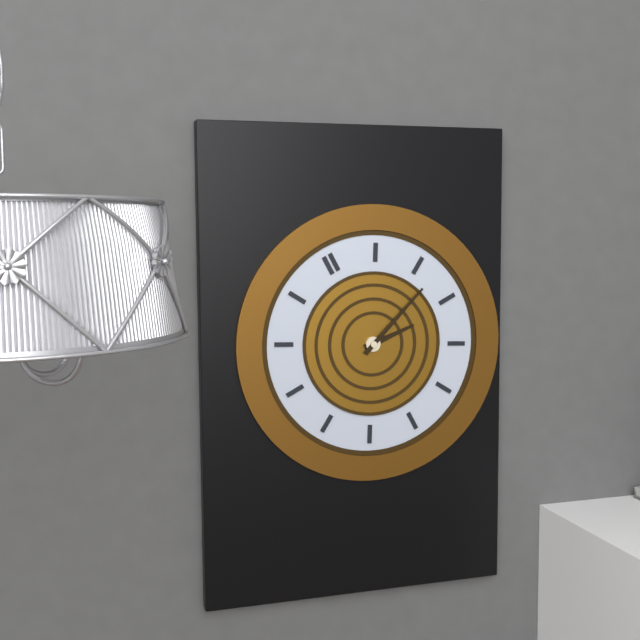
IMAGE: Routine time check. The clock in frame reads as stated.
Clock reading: 3:12
